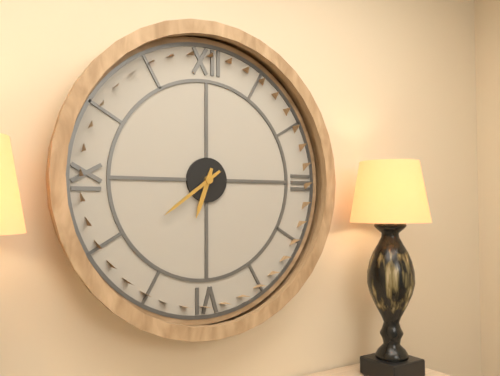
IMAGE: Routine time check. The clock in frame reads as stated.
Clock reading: 6:39
